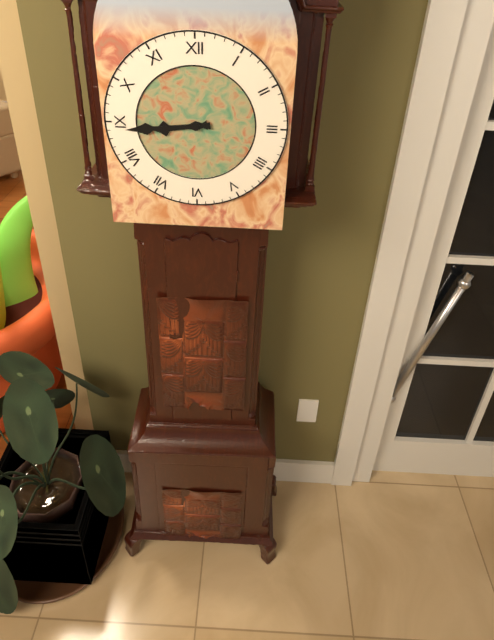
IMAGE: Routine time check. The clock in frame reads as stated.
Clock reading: 8:44
